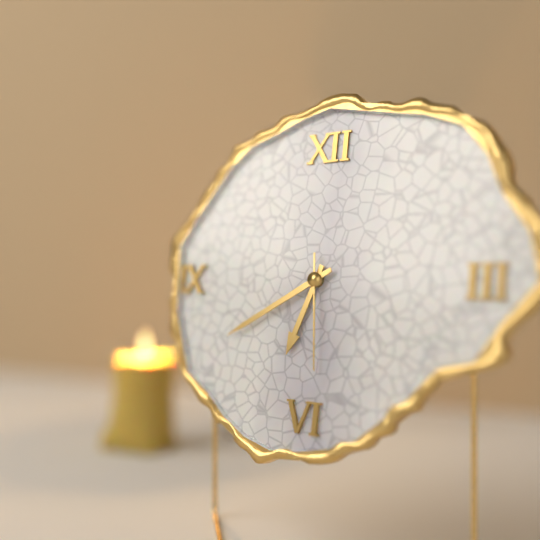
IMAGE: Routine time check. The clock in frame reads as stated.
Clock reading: 6:40:29
